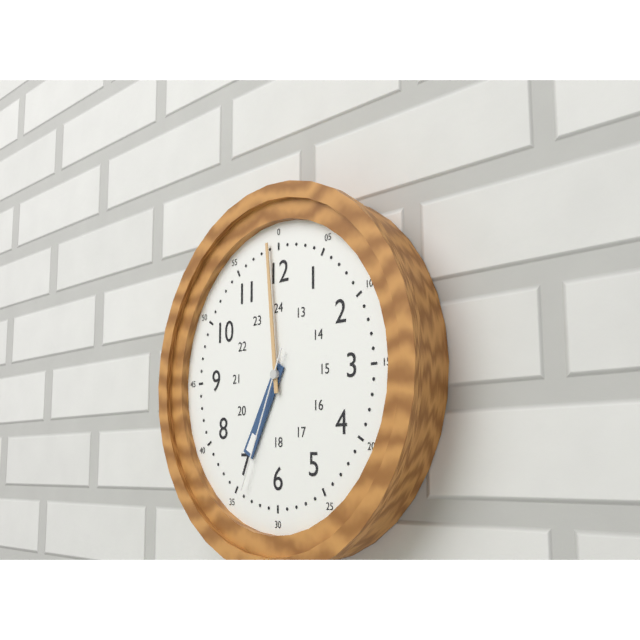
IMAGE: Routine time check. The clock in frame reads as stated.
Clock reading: 6:59:34
